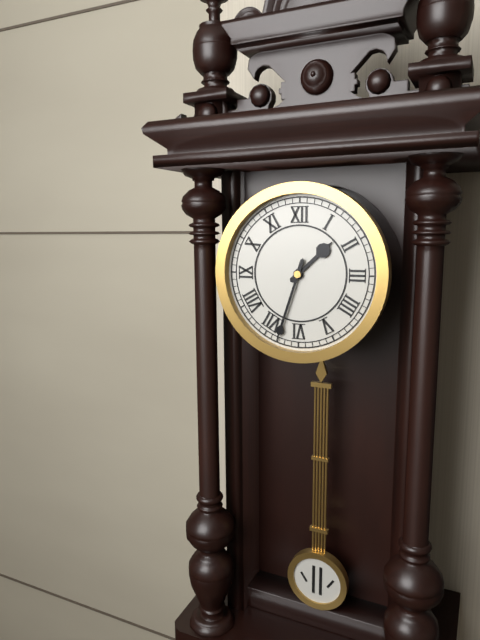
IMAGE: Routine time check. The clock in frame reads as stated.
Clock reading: 1:33
